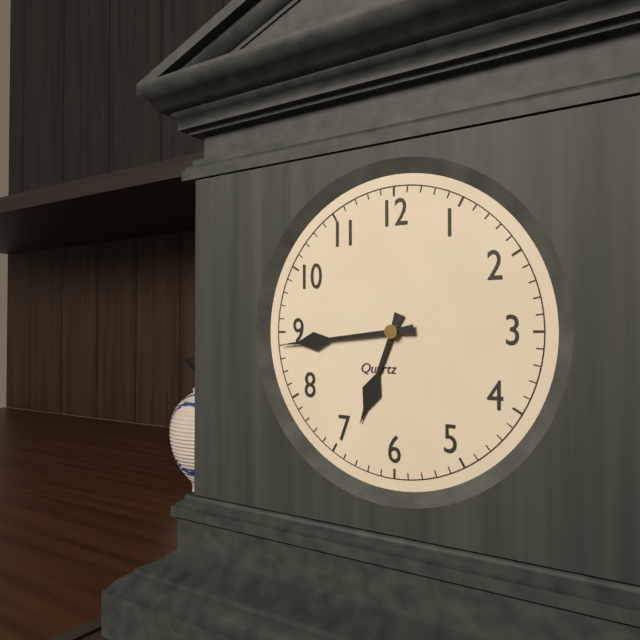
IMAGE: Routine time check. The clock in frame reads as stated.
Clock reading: 6:44
